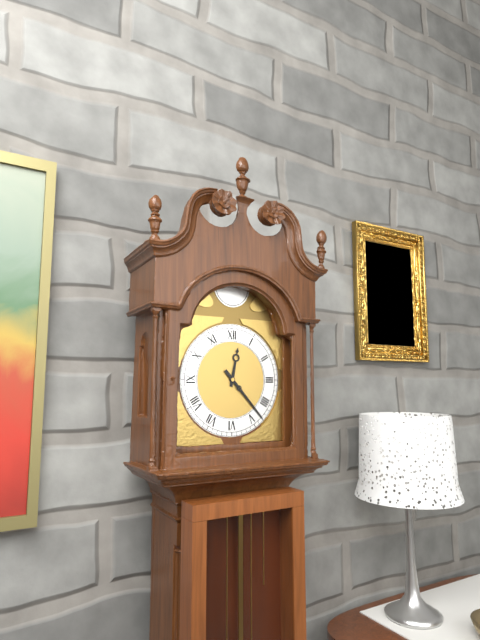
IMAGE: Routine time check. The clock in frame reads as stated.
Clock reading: 12:23
